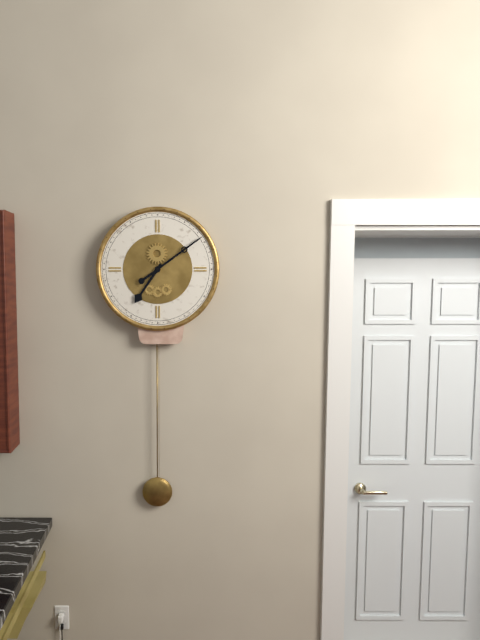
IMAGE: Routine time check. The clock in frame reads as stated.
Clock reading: 7:09
